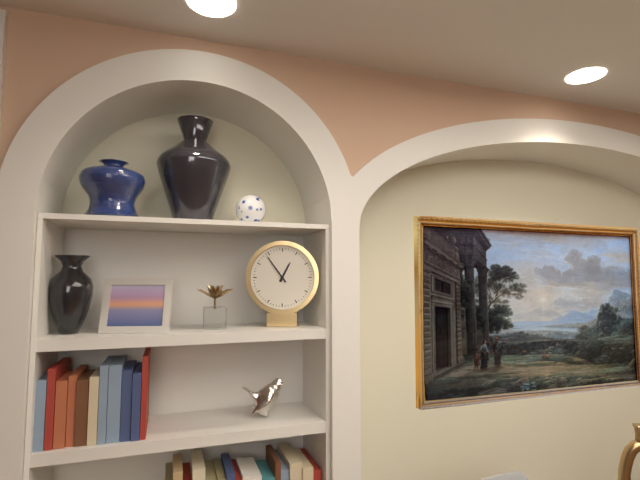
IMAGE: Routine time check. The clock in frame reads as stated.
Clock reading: 12:54
